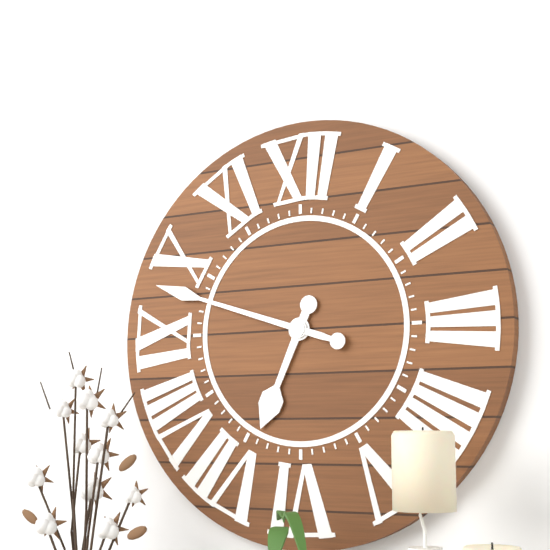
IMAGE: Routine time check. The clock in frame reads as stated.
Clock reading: 6:48
